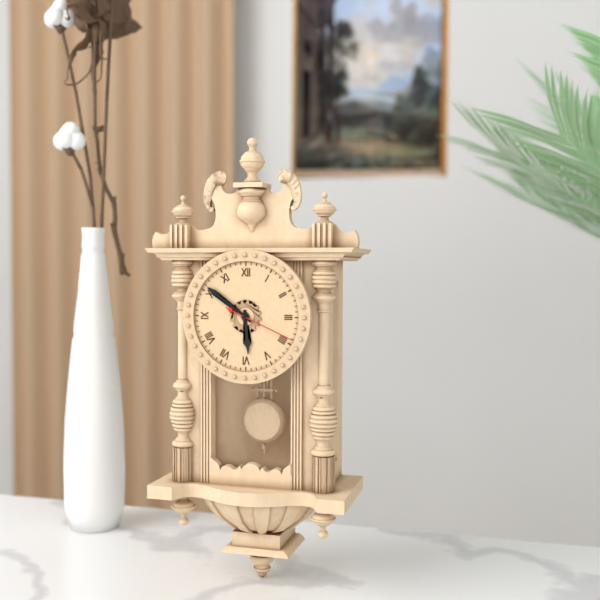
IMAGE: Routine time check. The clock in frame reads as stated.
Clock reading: 5:51:19
